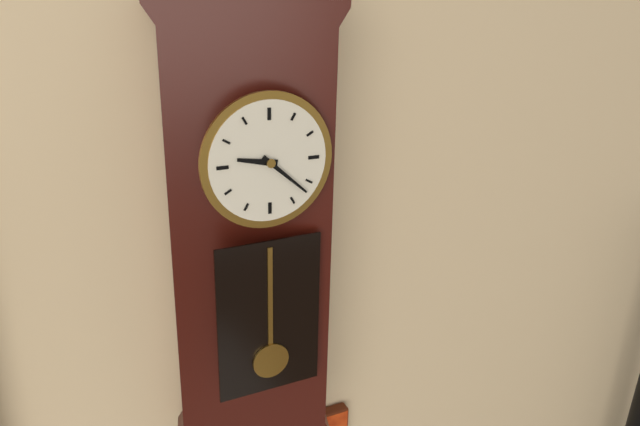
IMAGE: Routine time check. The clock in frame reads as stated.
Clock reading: 9:22
